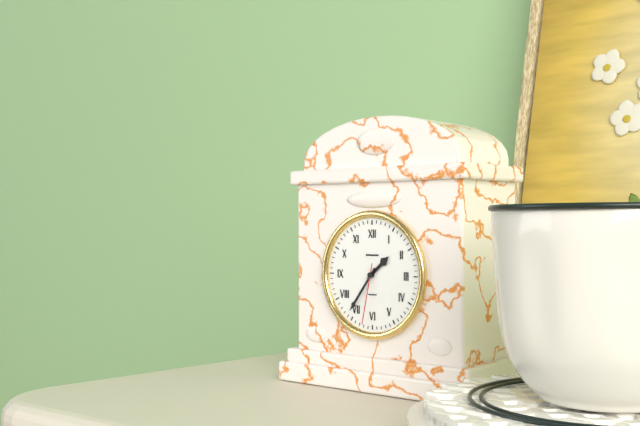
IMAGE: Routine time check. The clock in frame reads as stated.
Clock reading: 1:36:32
